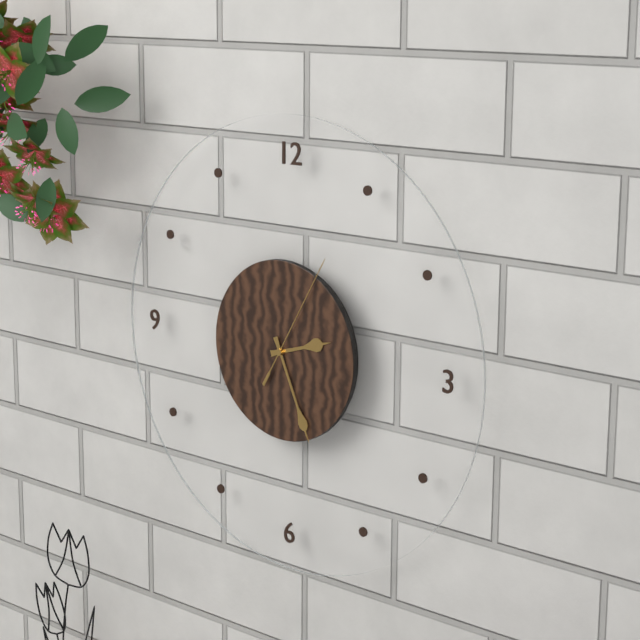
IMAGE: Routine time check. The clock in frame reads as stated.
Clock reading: 2:26:05
